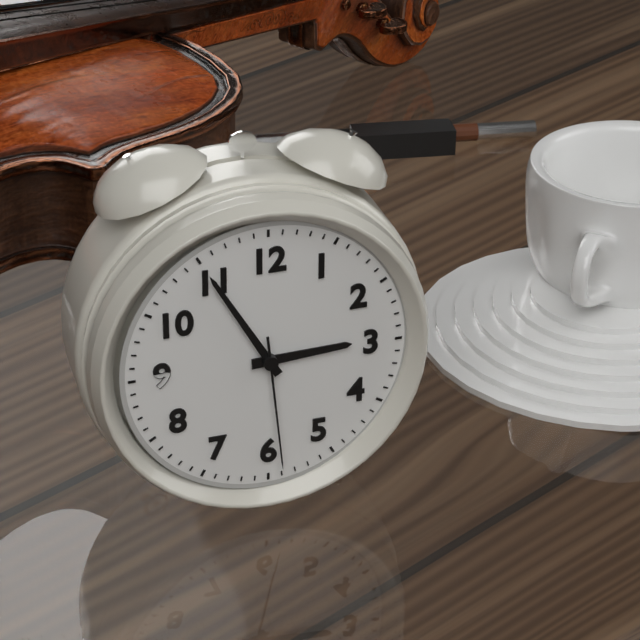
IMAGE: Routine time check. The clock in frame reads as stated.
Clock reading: 2:55:29
